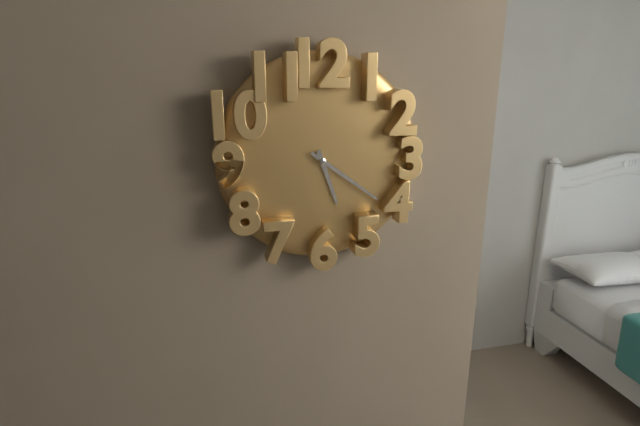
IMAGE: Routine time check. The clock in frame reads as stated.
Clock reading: 5:21
